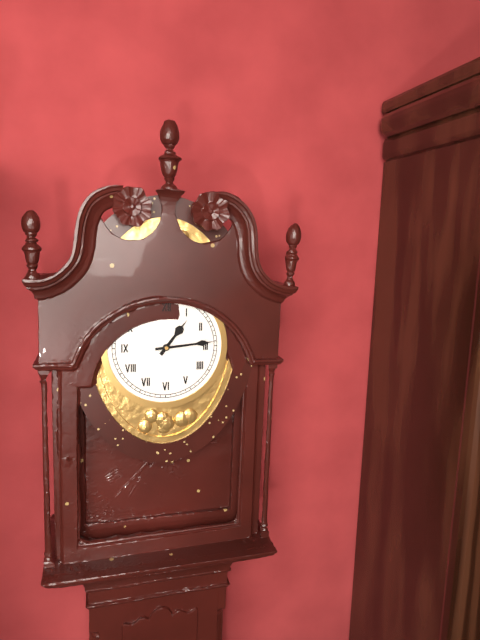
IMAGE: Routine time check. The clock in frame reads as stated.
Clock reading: 1:14
